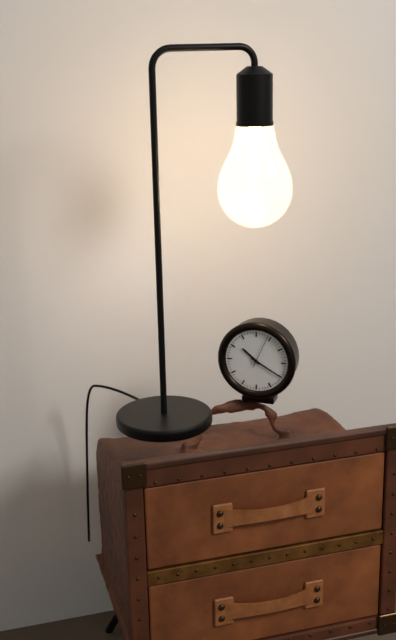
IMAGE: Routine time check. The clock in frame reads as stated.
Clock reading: 10:20
